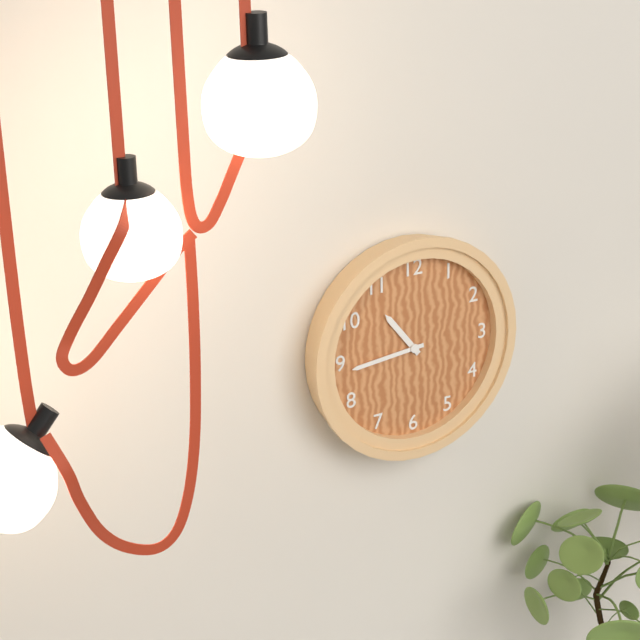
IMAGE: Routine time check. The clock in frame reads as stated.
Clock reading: 10:44
